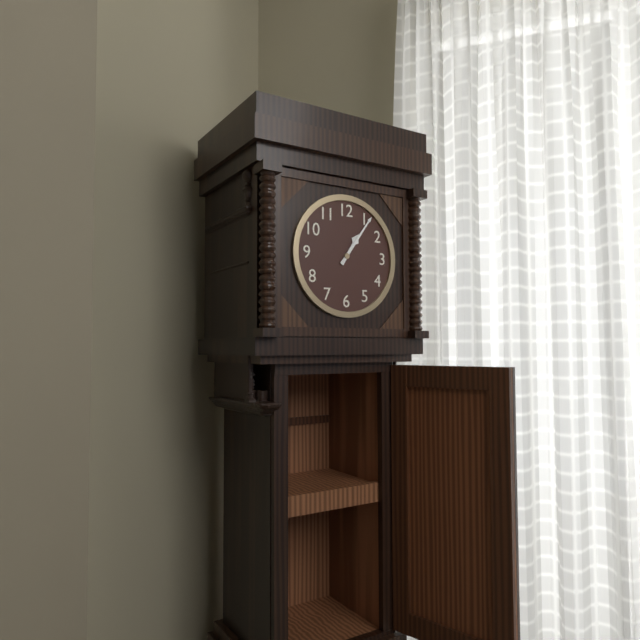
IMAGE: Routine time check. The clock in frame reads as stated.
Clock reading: 1:06
